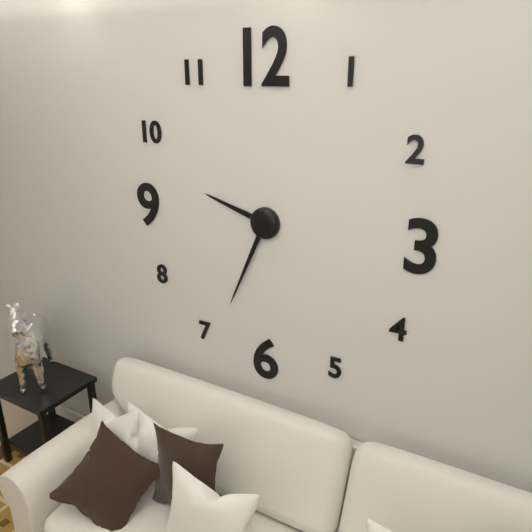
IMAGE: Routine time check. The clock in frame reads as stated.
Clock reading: 9:34
